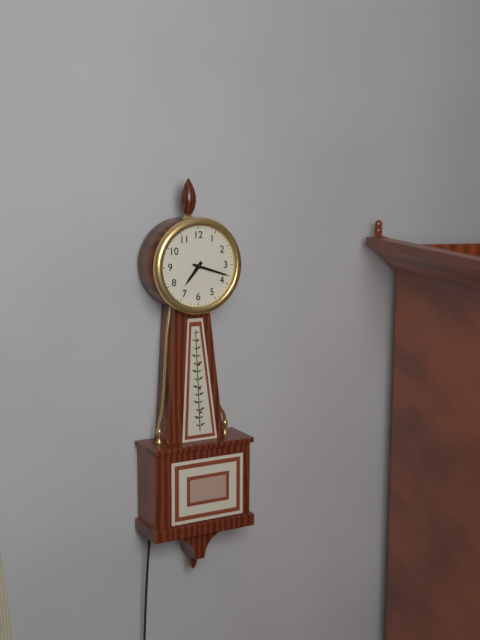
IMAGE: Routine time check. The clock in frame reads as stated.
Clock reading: 7:18
